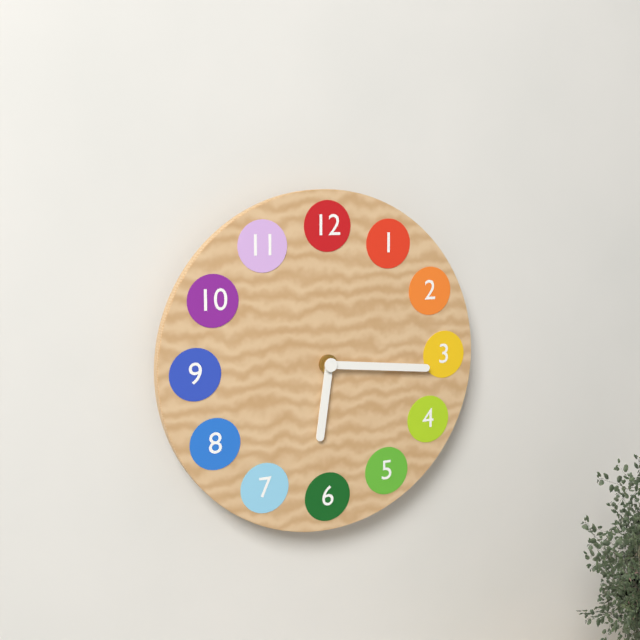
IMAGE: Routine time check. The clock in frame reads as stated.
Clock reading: 6:16
